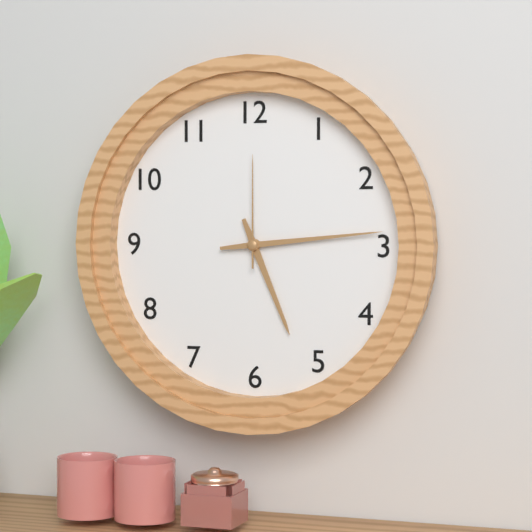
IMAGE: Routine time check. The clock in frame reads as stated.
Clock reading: 5:14:00
